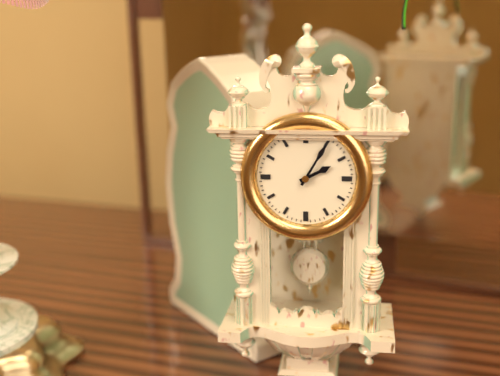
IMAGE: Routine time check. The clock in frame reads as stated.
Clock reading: 2:05
